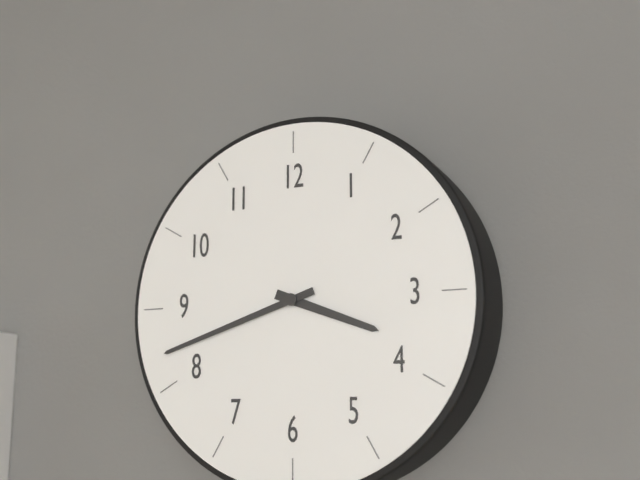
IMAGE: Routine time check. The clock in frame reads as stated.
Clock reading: 3:42
